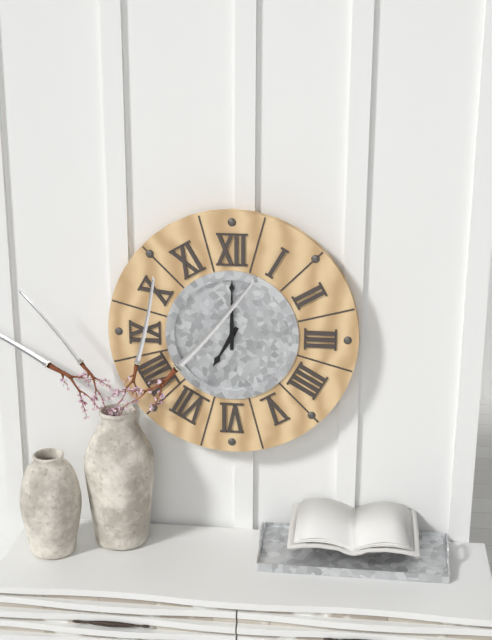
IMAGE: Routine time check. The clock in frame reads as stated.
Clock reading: 7:00
